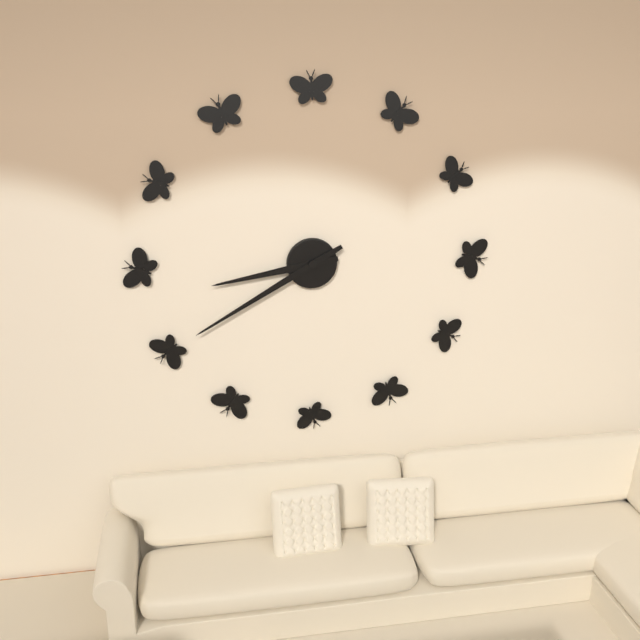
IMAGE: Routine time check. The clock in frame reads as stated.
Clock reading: 8:40
